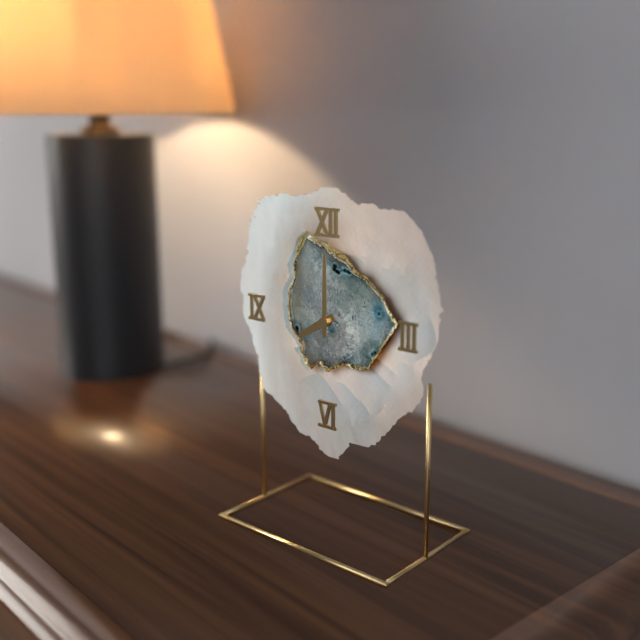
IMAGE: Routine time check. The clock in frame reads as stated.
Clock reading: 8:00
